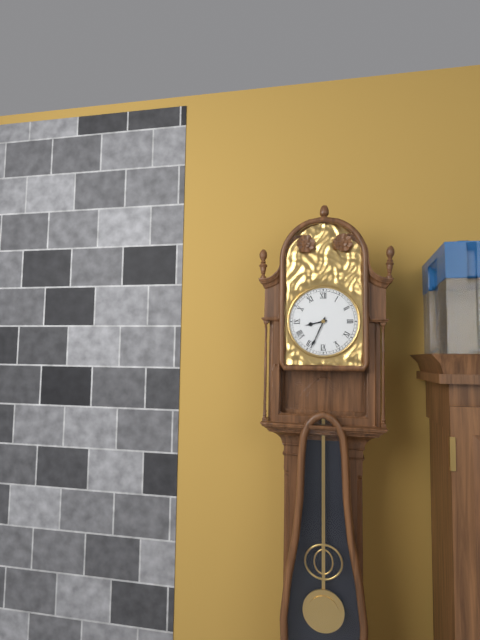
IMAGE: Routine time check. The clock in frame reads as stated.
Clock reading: 8:34
